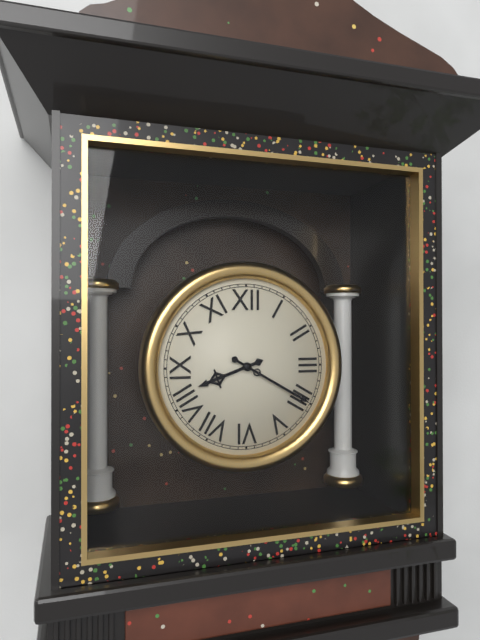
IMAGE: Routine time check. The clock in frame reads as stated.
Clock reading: 8:20
